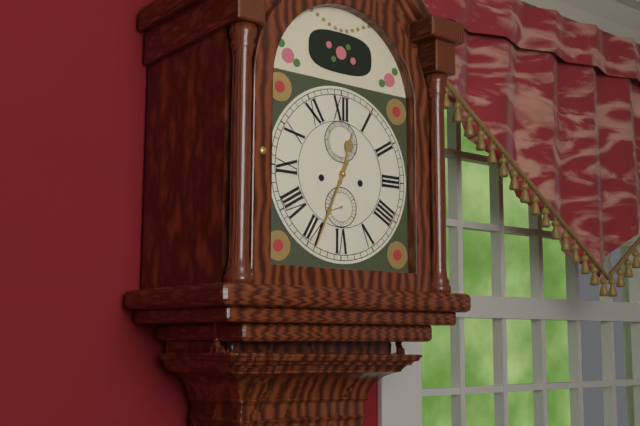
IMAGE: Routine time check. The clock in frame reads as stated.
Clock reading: 12:34
